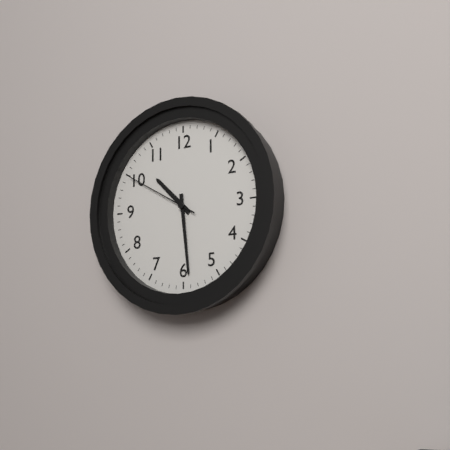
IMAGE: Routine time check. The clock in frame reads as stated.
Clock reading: 10:29:50
